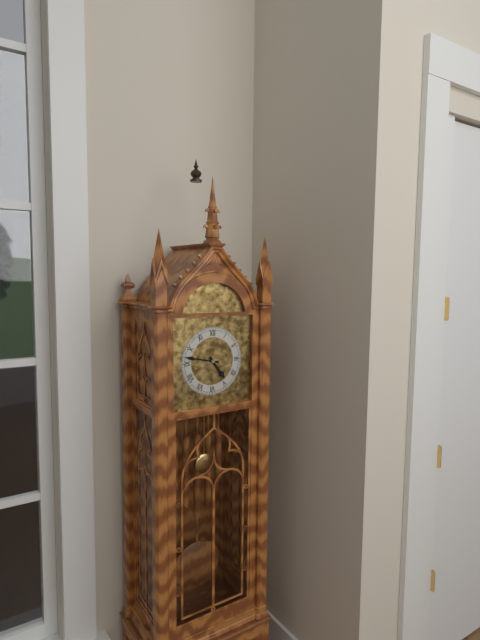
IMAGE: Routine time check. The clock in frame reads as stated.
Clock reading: 4:47
